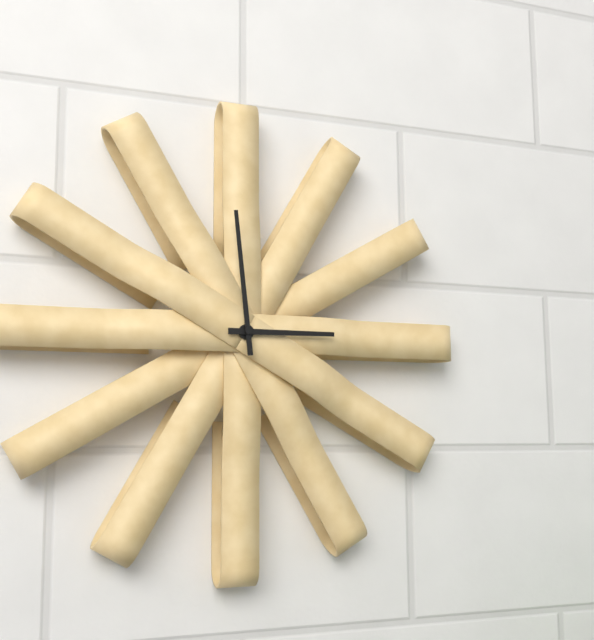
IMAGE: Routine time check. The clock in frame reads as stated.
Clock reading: 2:59
